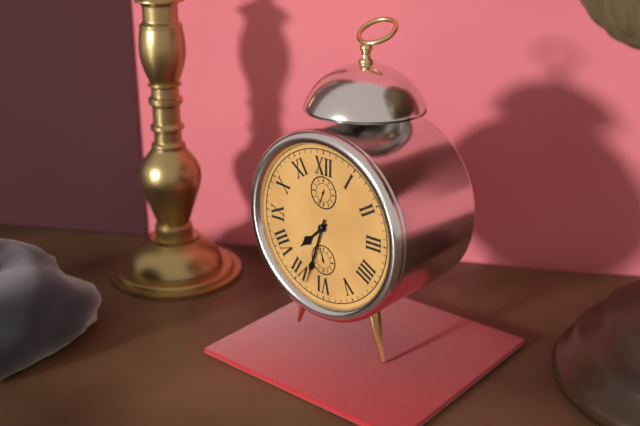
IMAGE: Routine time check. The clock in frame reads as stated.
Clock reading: 7:33
